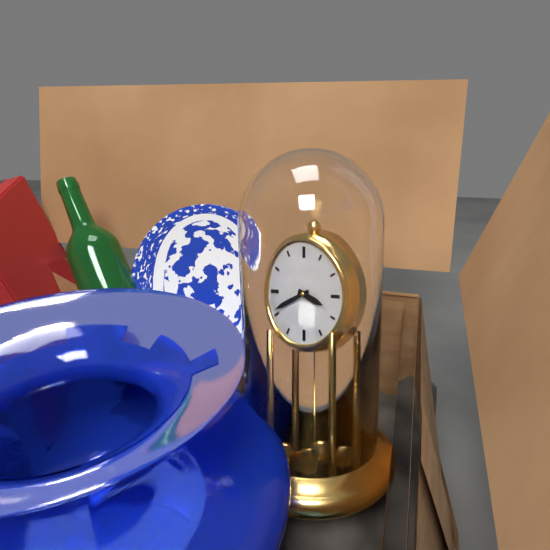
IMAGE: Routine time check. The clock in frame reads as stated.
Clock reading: 3:41
